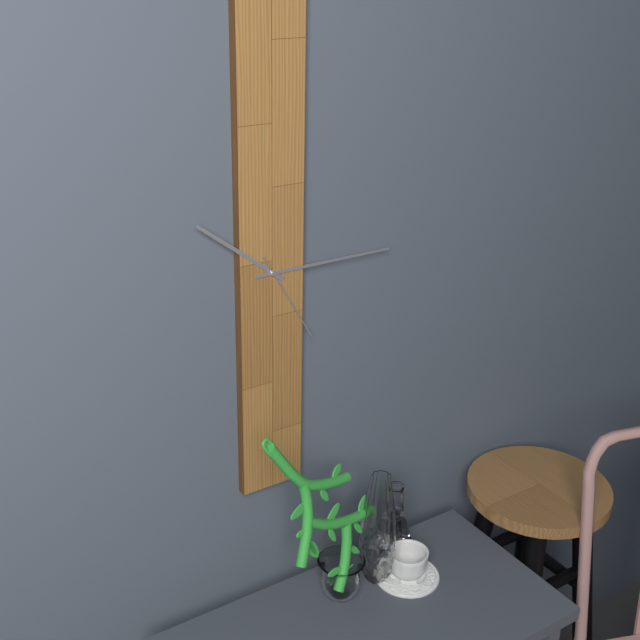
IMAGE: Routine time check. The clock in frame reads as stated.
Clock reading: 10:15:25
